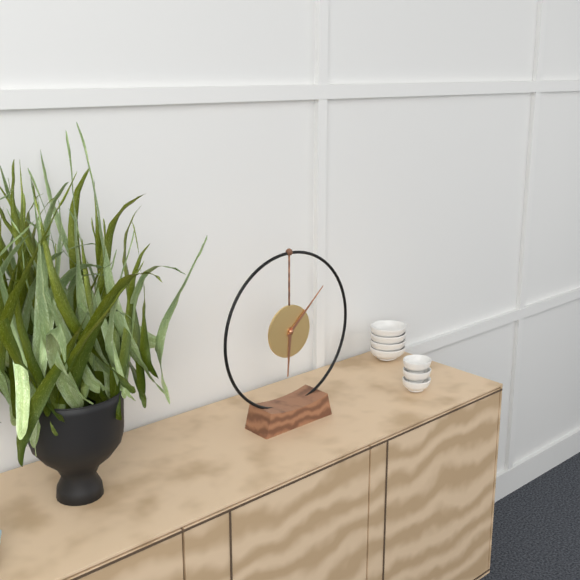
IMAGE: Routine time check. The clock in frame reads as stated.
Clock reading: 6:08
